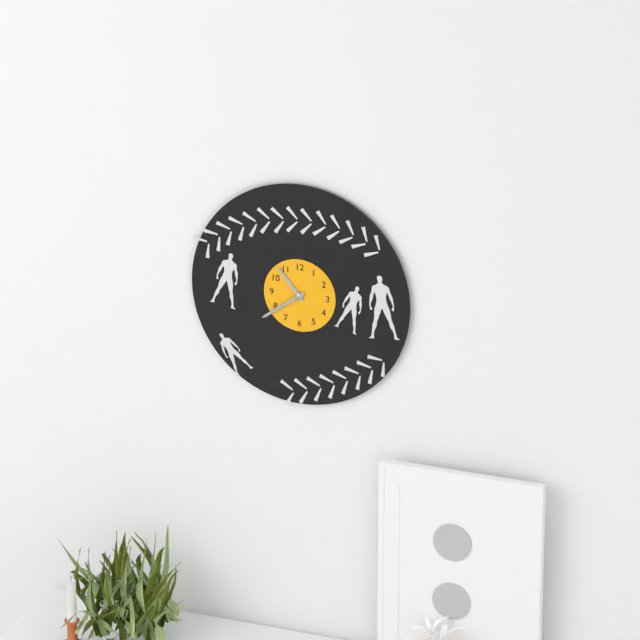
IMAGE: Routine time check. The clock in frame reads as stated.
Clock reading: 10:39
